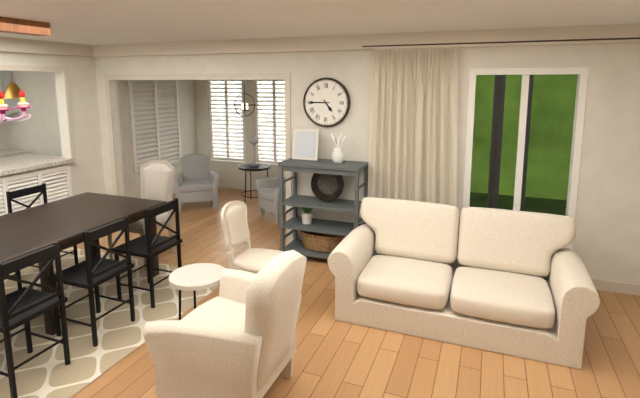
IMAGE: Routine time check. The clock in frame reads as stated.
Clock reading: 4:45
